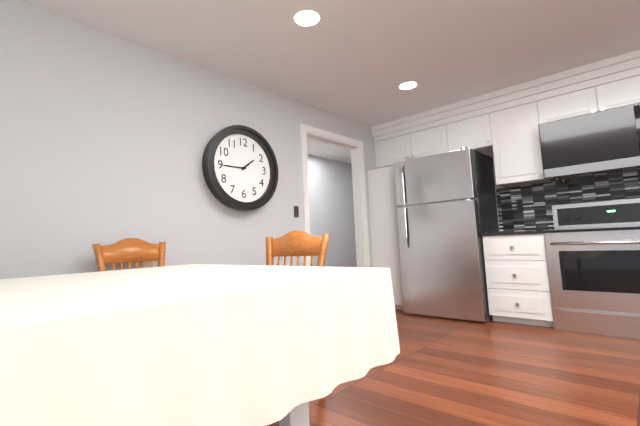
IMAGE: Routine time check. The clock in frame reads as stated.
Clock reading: 1:45
